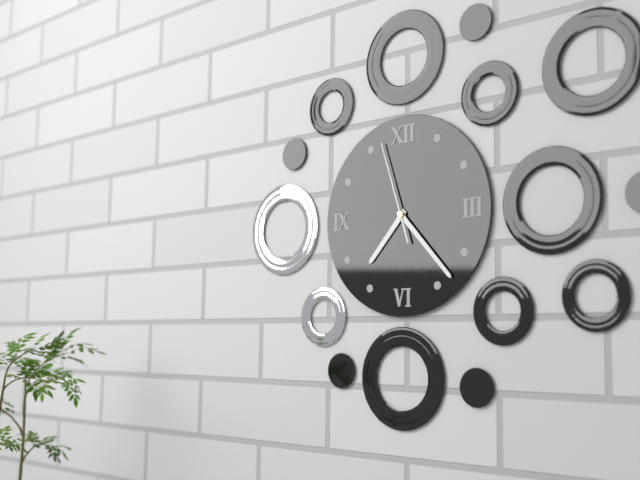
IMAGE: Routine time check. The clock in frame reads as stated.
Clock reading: 7:23:57
